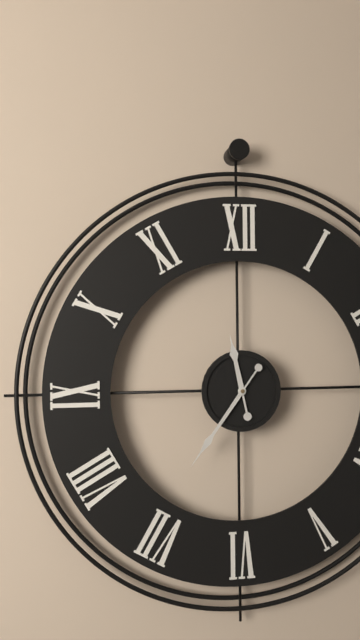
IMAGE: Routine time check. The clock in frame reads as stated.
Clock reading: 11:36
